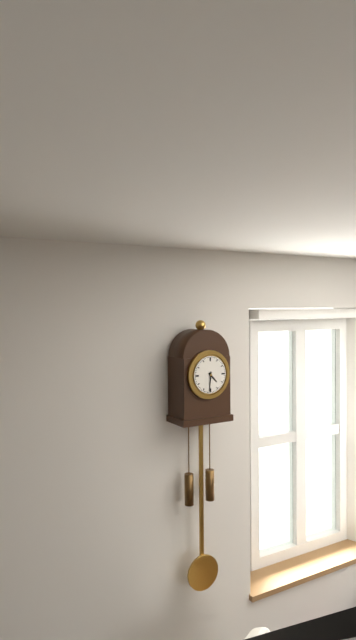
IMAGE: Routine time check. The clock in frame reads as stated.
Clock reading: 4:31
